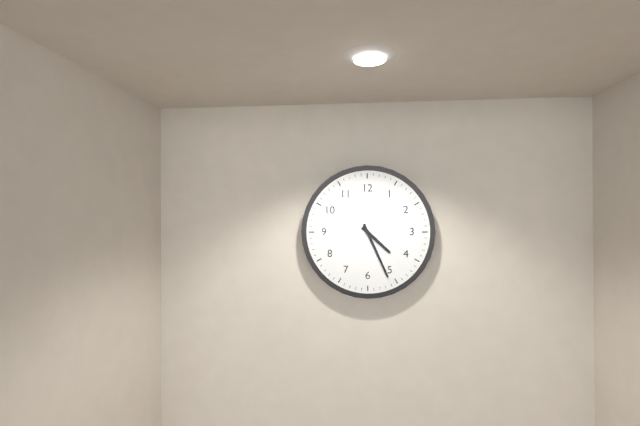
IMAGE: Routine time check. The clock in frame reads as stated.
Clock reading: 4:26
